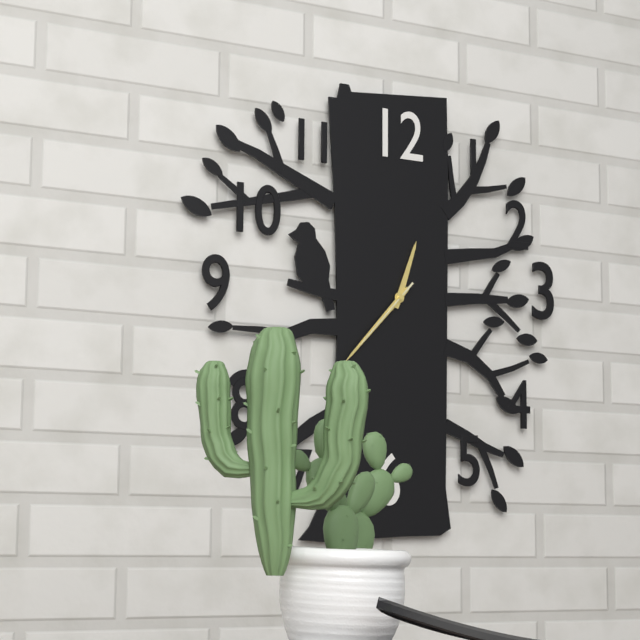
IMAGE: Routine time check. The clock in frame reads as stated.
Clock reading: 12:37:37
